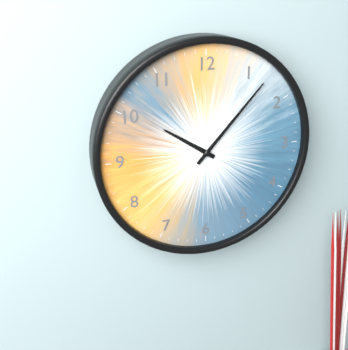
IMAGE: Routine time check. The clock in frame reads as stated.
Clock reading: 10:07
